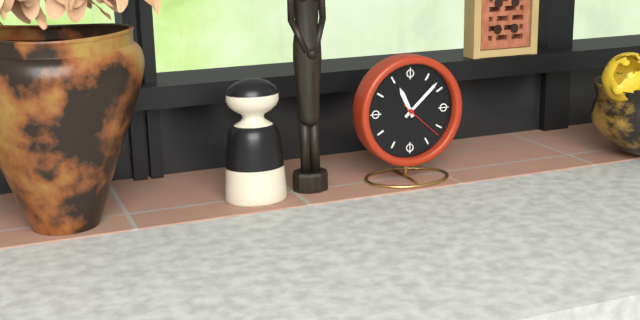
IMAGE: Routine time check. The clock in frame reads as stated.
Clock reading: 11:08
